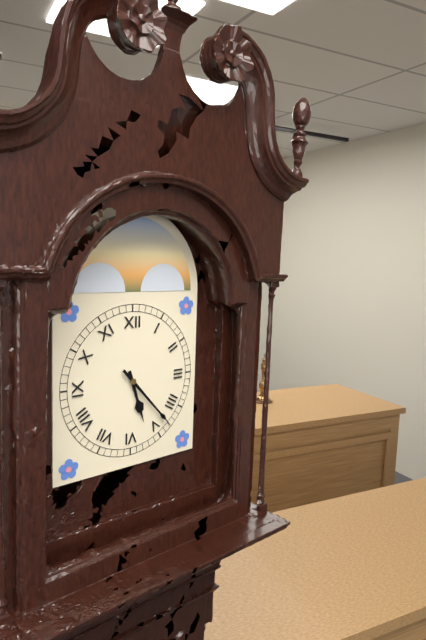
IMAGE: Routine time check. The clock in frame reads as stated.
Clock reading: 5:23
